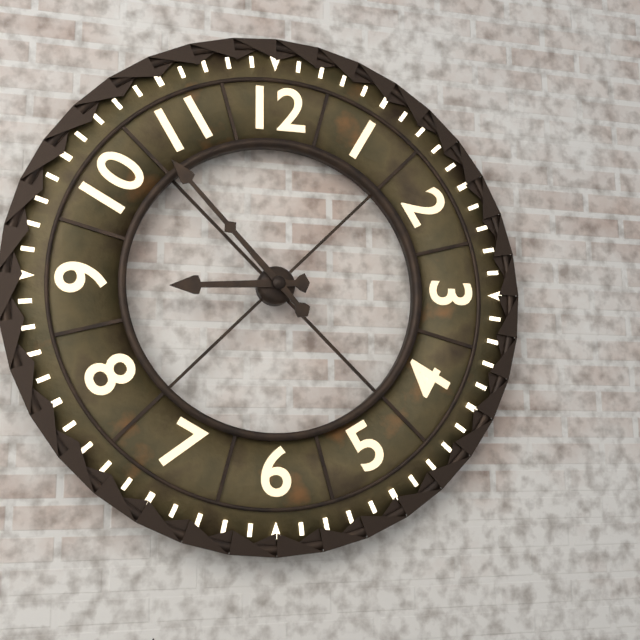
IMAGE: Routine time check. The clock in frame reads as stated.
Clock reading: 8:53
